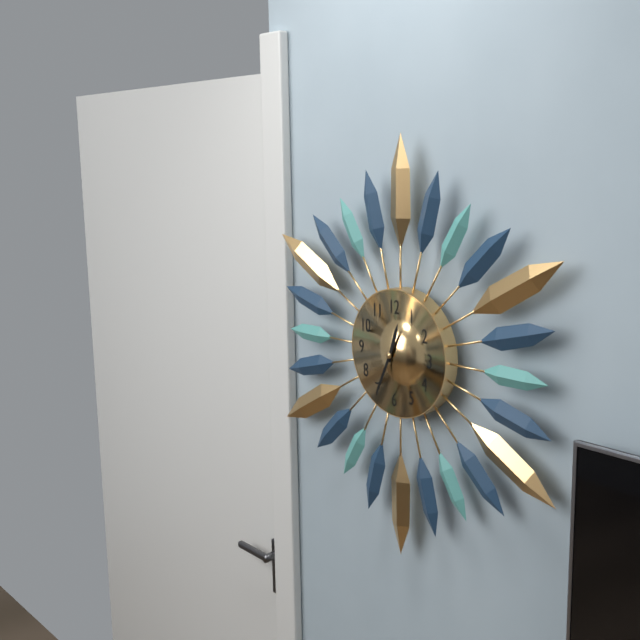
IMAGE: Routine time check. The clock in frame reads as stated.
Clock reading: 12:34
